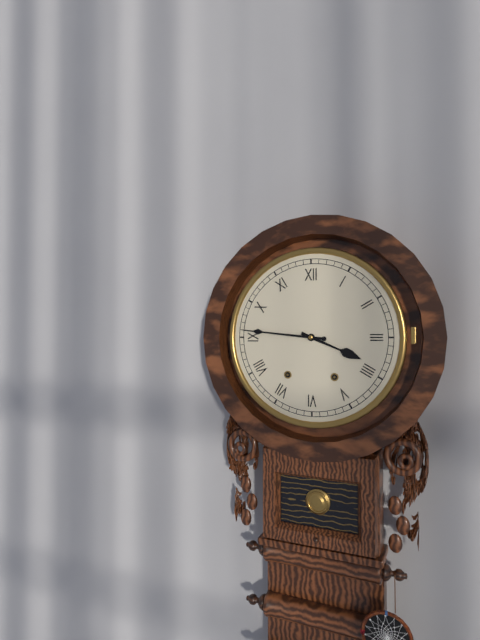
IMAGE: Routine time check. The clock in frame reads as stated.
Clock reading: 3:46
